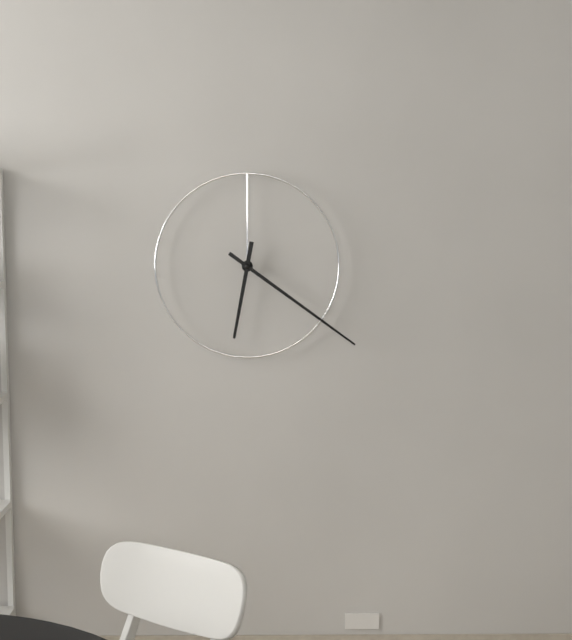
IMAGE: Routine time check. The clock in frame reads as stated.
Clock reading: 6:21
